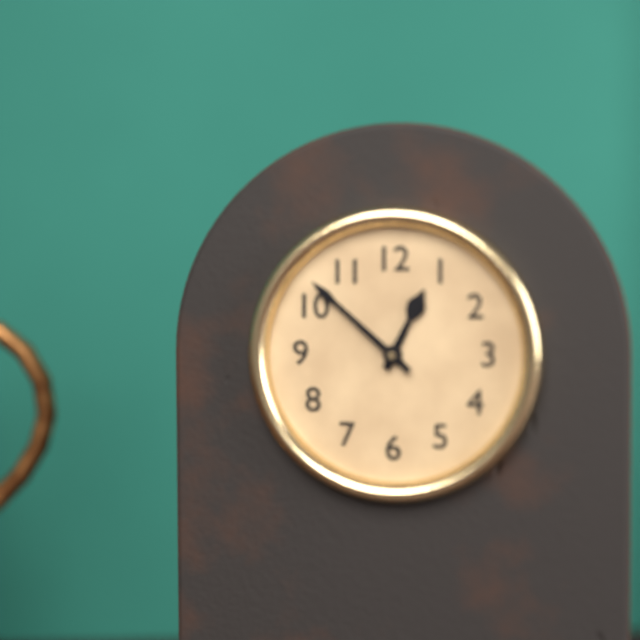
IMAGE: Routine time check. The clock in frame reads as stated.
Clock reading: 12:52
